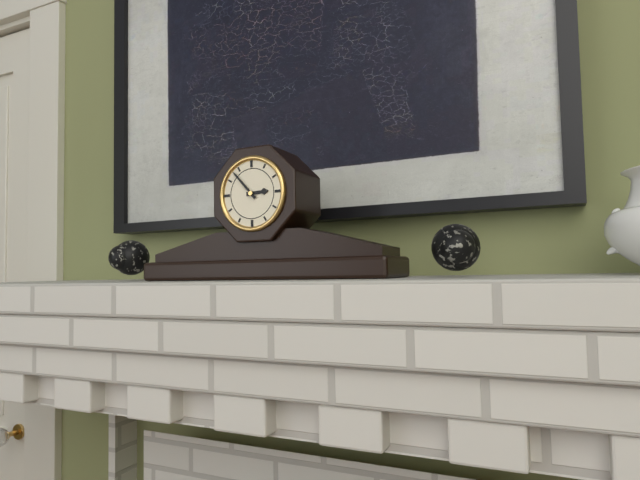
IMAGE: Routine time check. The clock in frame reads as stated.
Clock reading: 2:53
